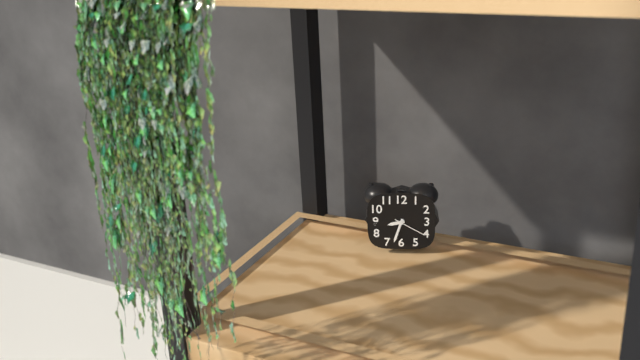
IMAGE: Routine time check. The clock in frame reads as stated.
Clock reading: 8:33
